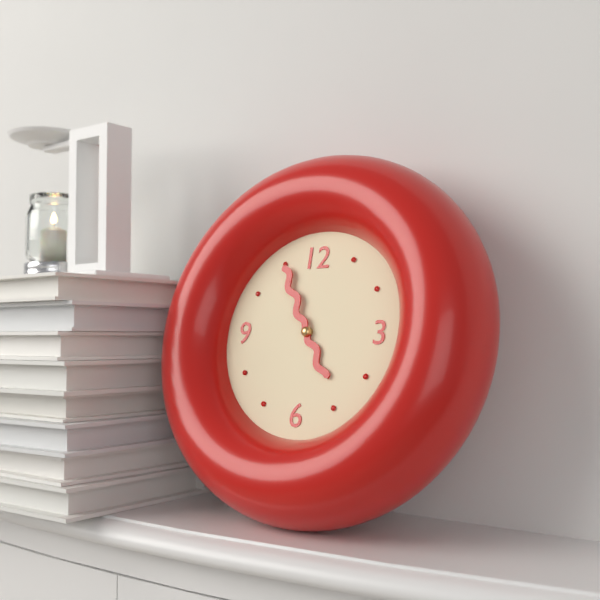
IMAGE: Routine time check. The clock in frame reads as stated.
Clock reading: 4:55
